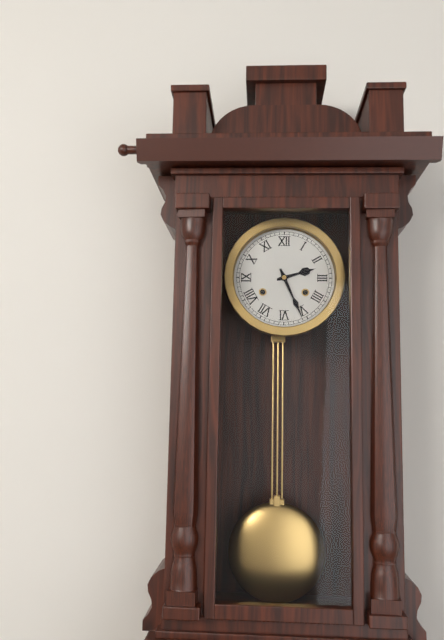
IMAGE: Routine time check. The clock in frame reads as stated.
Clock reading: 2:26
